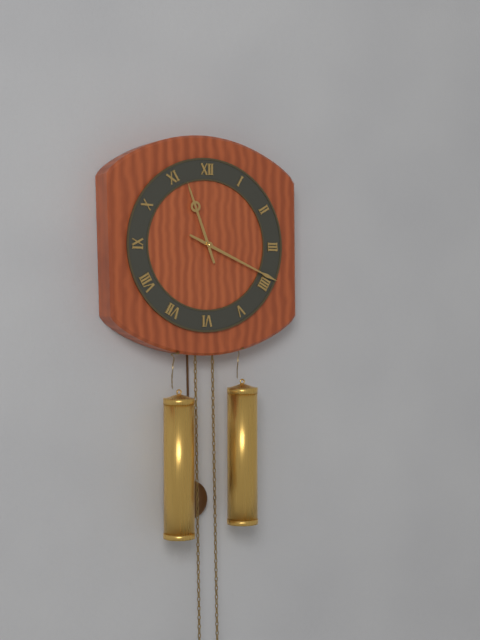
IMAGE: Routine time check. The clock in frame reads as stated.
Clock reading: 11:19
